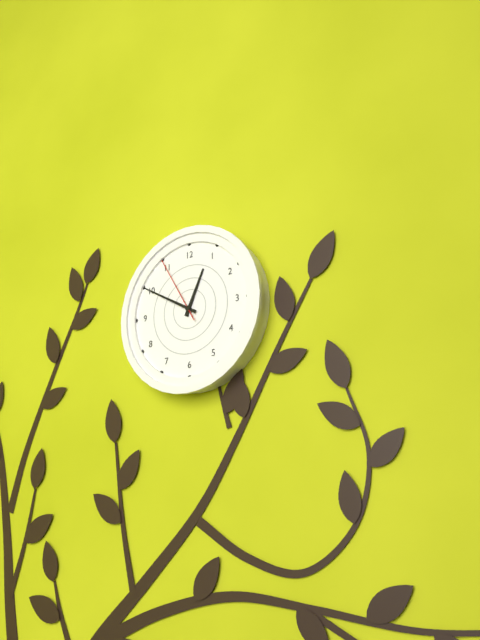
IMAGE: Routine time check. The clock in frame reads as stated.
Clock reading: 12:50:55
